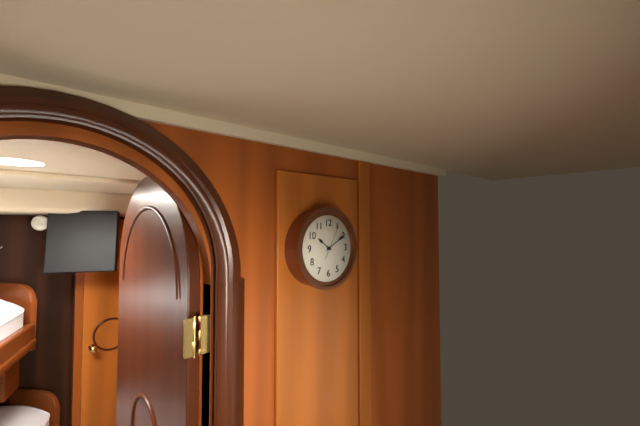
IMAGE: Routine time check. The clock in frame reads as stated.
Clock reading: 10:10
